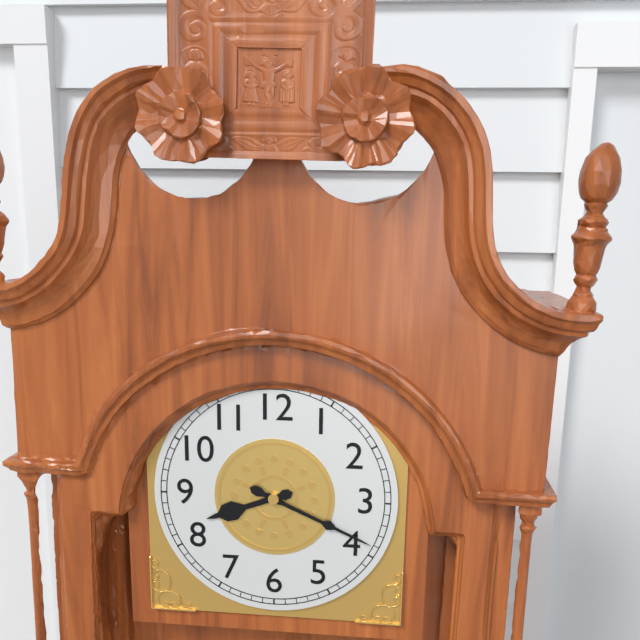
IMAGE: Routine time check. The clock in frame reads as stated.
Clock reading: 8:19
